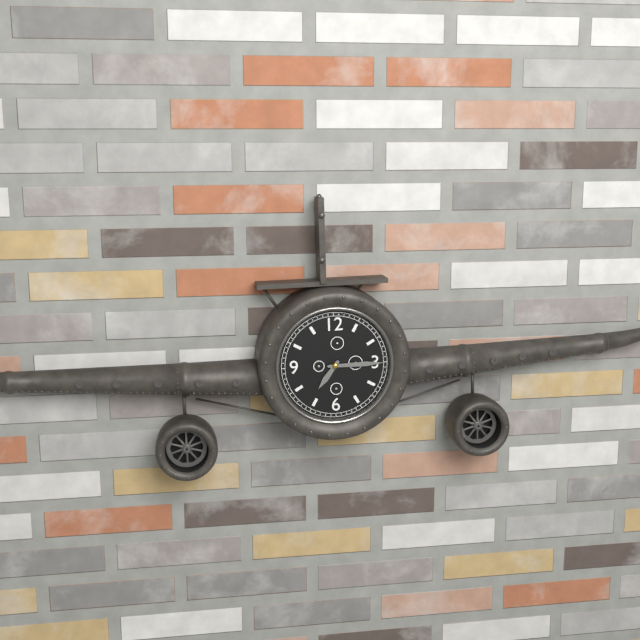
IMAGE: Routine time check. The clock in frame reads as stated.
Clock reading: 7:15
